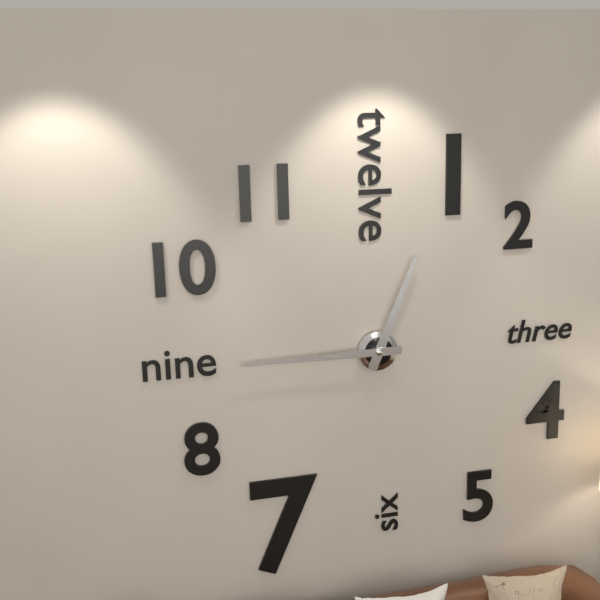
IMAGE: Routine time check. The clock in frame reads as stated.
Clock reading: 12:45
